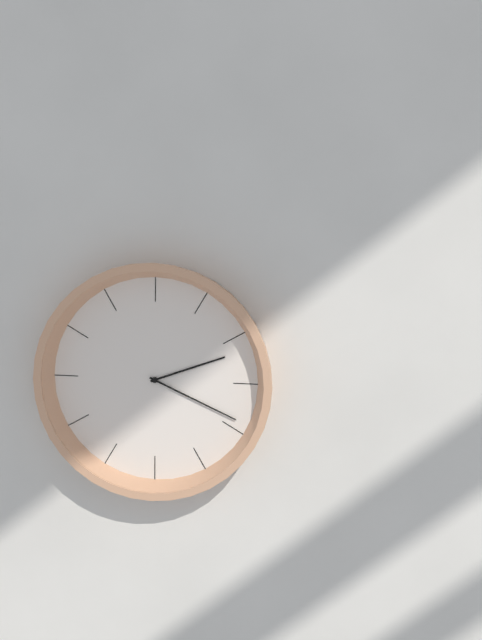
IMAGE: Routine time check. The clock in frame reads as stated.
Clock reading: 2:19
